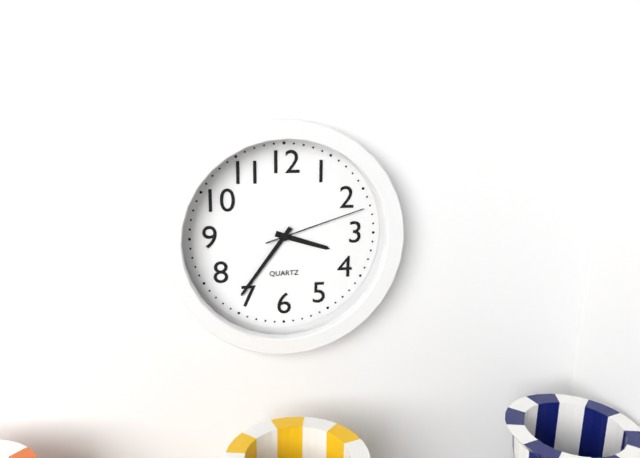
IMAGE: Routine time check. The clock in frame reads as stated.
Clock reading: 3:36:12
